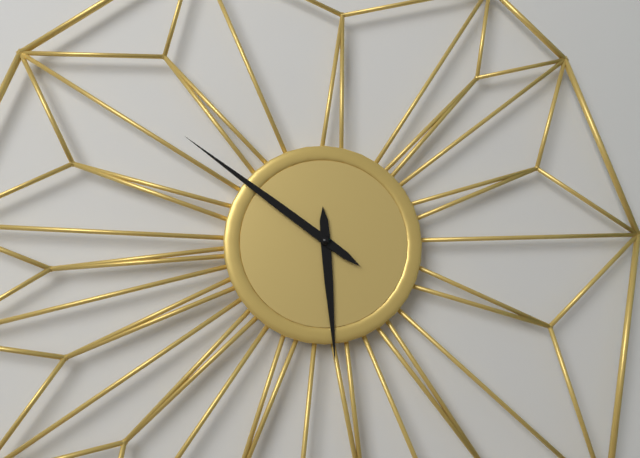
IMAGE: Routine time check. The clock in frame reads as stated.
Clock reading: 5:51
